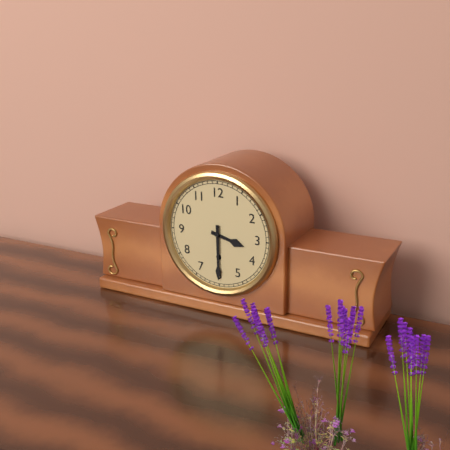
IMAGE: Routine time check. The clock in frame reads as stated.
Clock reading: 3:30
